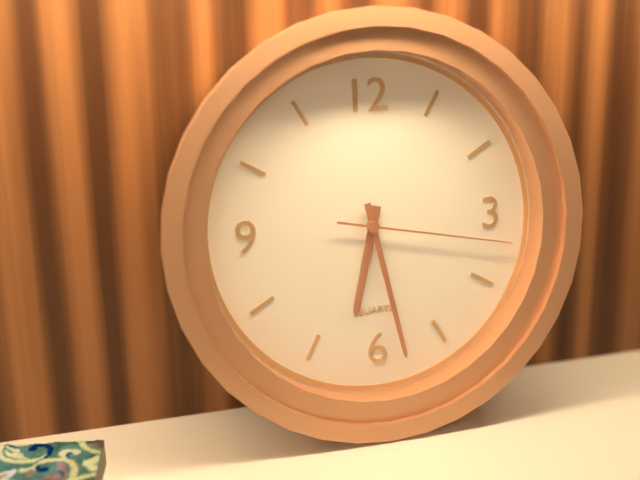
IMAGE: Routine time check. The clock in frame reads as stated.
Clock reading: 6:28:17
